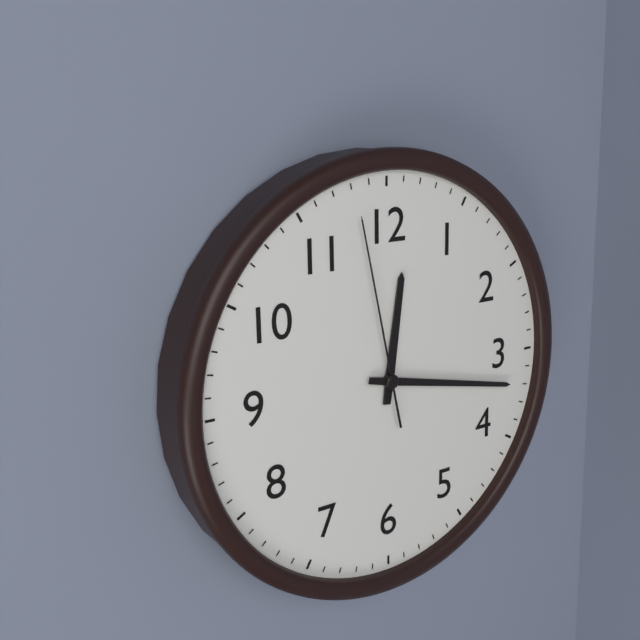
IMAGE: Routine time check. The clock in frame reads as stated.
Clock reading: 12:17:58
